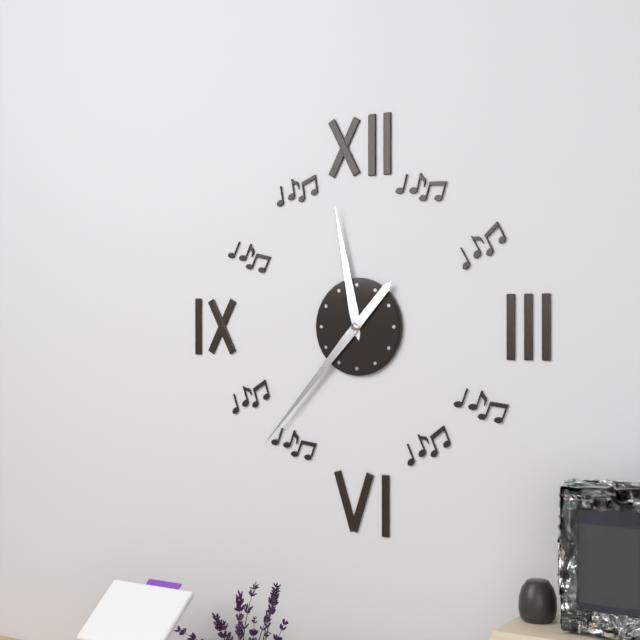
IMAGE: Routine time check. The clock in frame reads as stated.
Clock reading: 11:37
